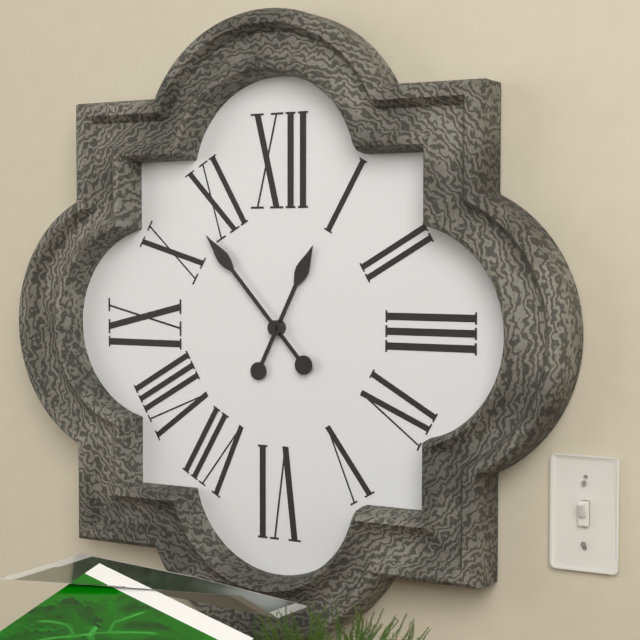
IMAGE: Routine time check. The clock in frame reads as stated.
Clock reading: 12:53
